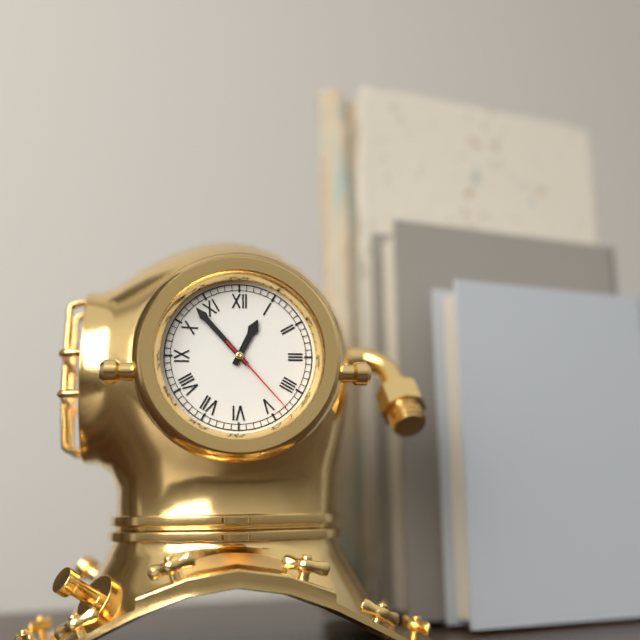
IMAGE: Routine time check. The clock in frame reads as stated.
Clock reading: 12:53:23
